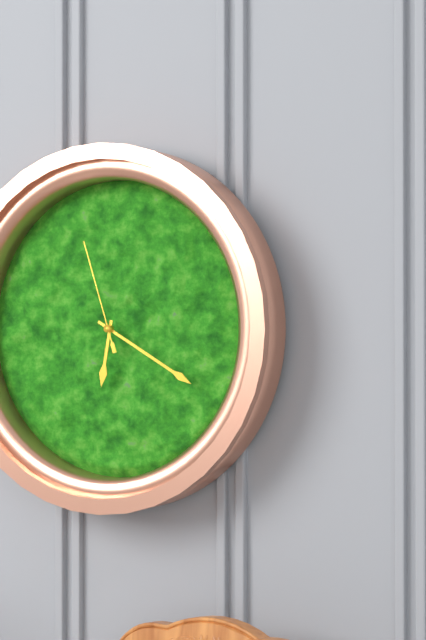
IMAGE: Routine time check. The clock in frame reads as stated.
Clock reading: 6:20:57
